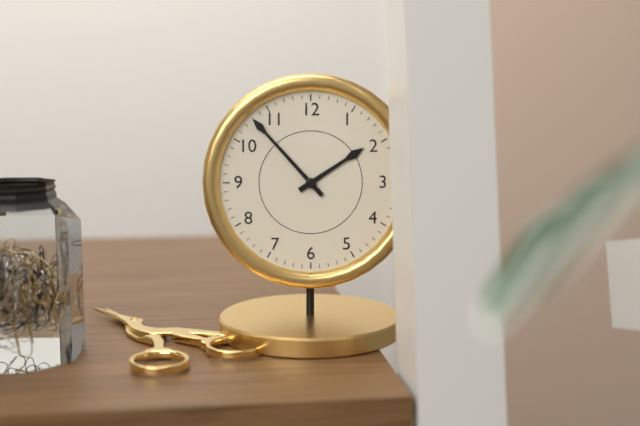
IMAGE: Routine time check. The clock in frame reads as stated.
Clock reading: 1:53
